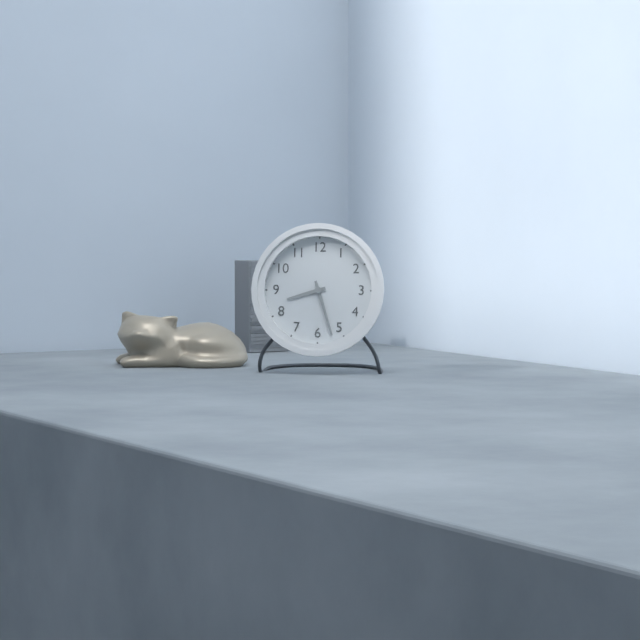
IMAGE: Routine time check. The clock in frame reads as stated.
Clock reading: 8:27
